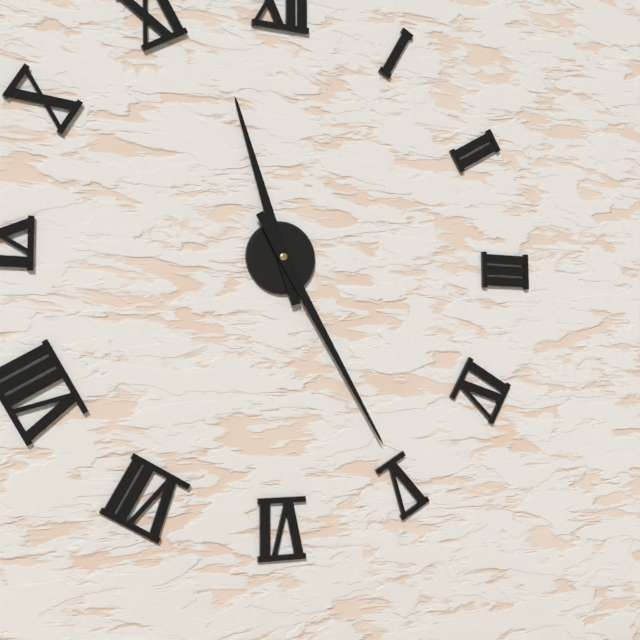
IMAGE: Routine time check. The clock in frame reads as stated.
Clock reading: 11:25
